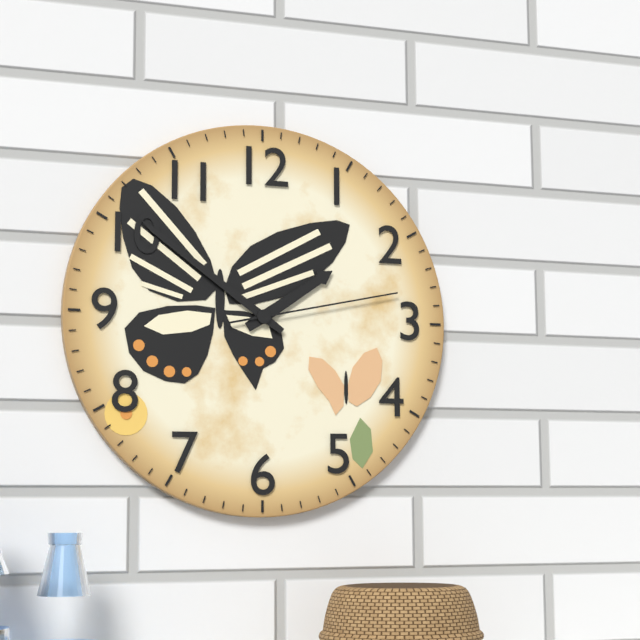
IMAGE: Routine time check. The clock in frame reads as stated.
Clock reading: 1:51:13
